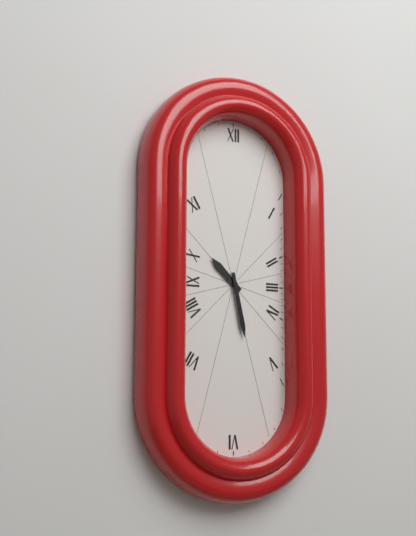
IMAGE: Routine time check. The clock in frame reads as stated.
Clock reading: 10:28
